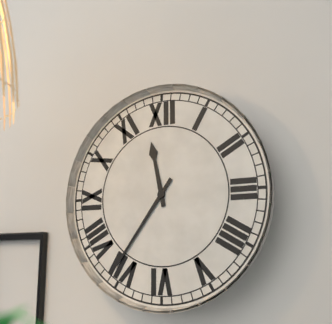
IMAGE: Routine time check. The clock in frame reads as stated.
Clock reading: 11:36
